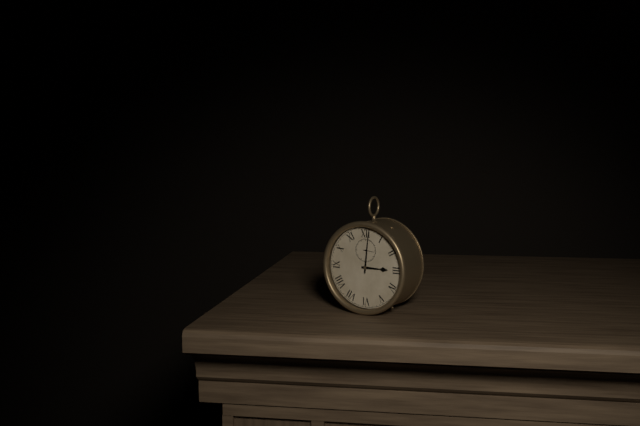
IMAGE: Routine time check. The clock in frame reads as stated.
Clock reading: 3:01
